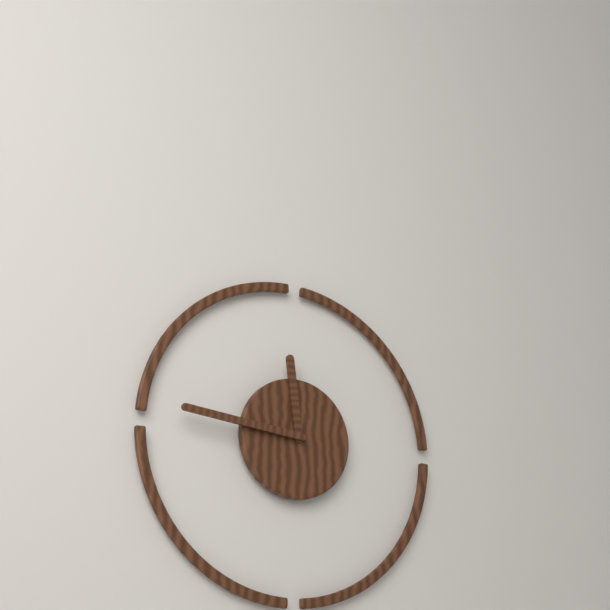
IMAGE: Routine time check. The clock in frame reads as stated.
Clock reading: 11:46
